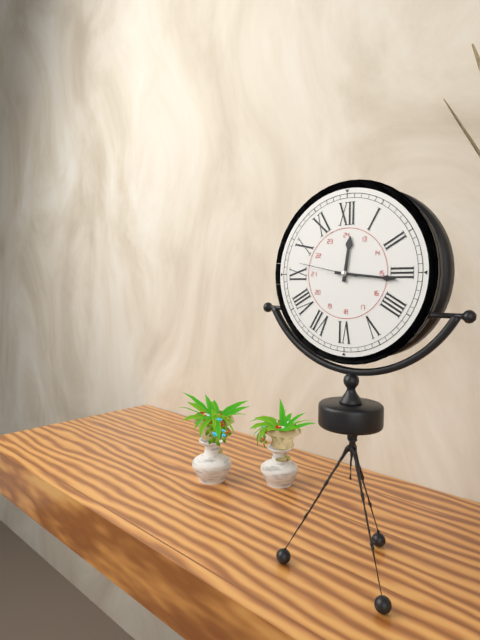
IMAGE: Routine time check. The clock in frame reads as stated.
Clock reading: 12:16:47
